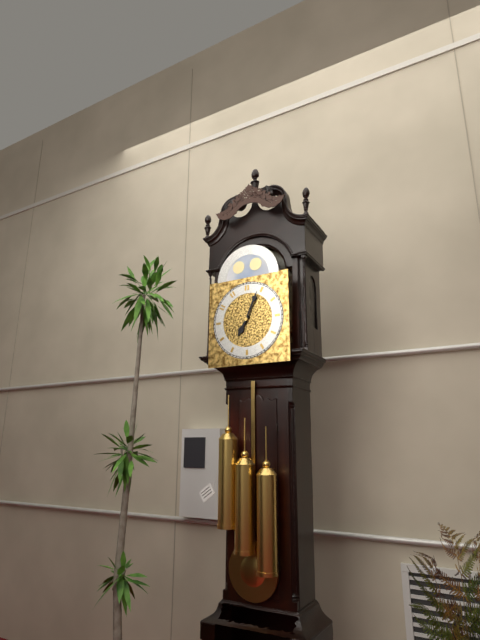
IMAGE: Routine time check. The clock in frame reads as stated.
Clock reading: 7:04
